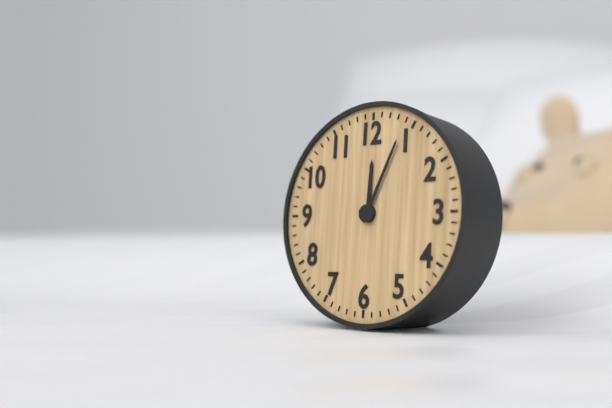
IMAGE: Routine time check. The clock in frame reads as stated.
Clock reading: 12:04
